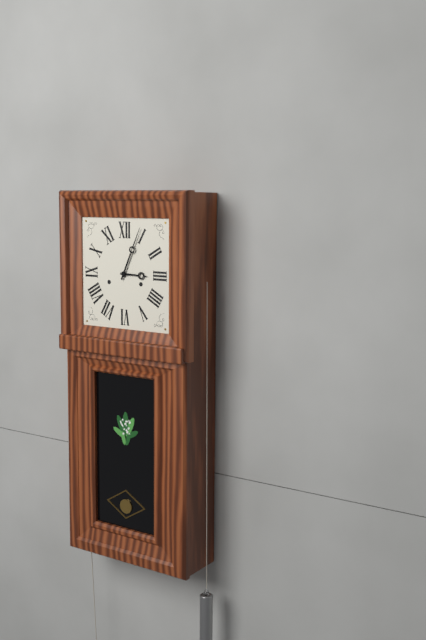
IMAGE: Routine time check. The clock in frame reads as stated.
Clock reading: 3:04
